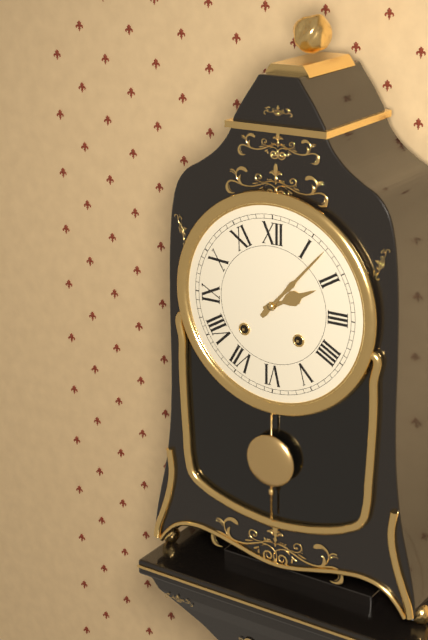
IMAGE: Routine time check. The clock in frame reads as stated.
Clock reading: 2:07
